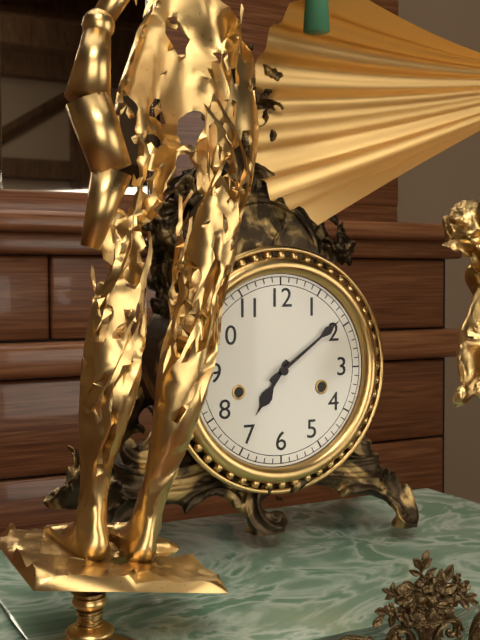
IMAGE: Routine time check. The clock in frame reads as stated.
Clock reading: 7:09
